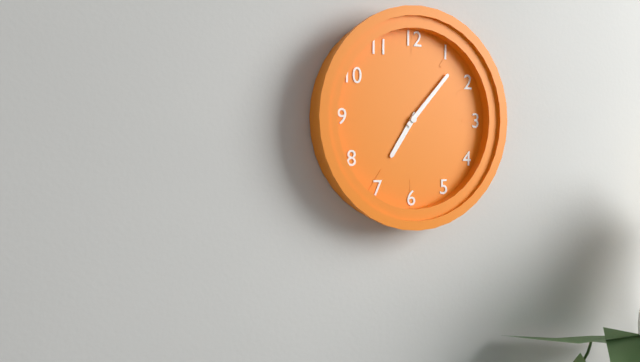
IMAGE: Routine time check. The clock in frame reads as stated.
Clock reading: 7:07
